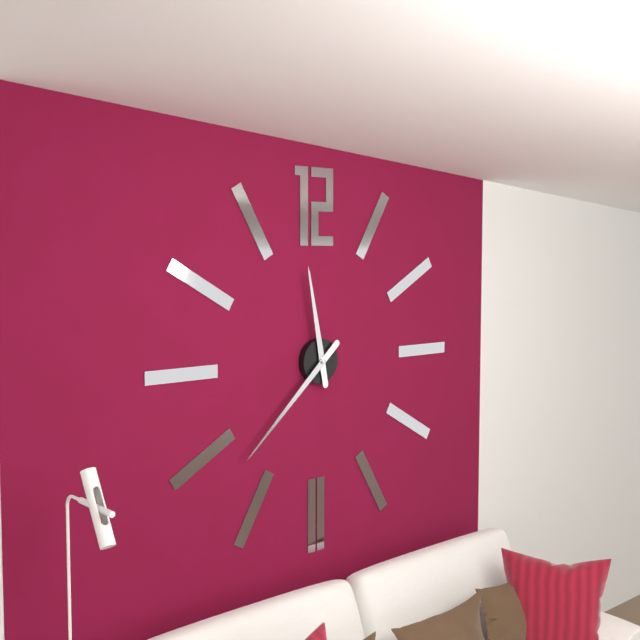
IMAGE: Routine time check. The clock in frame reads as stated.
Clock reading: 11:38
